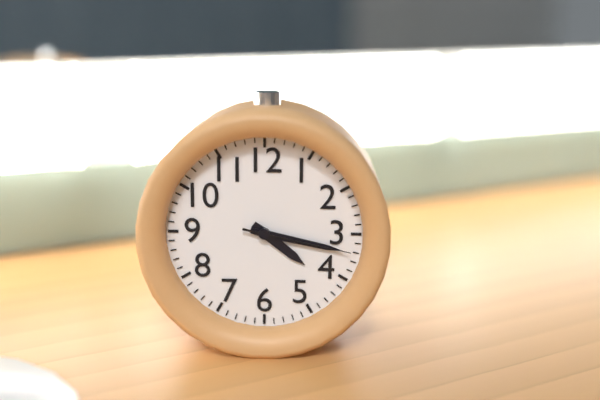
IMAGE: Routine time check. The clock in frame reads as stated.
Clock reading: 4:17:17
